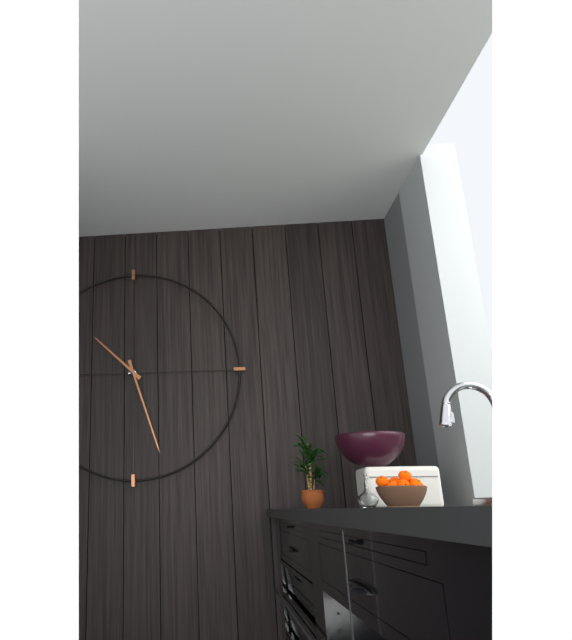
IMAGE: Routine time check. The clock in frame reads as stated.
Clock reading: 10:27
